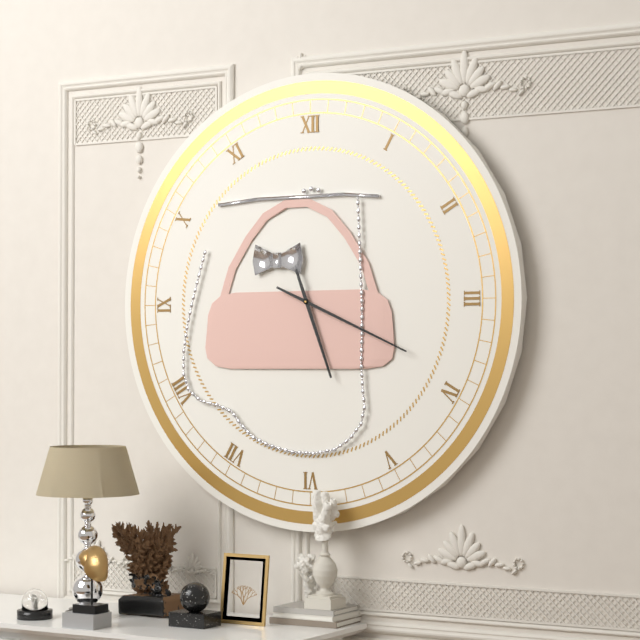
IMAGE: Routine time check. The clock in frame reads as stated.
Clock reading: 5:19
